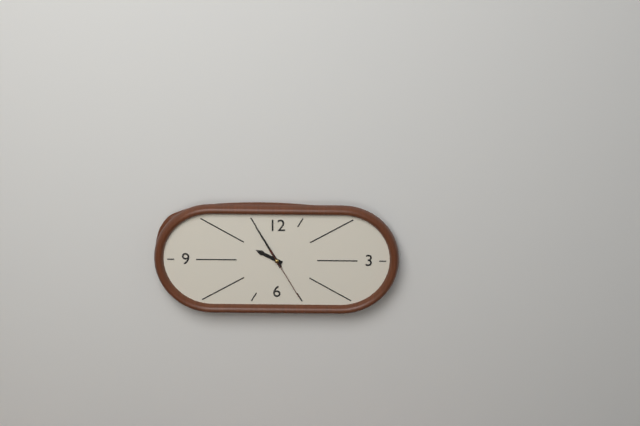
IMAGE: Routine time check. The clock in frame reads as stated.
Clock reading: 9:55:25
